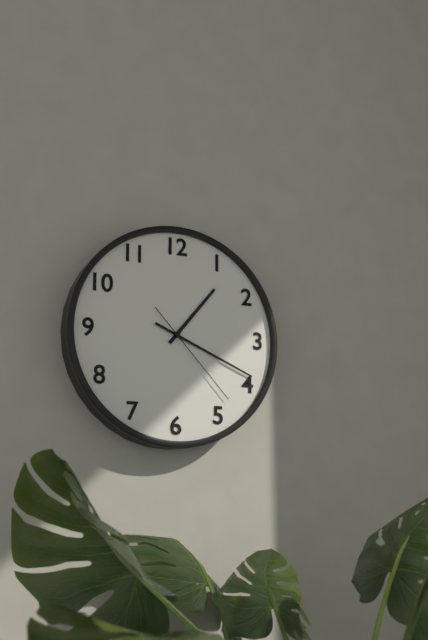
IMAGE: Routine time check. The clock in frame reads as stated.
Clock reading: 1:19:23
